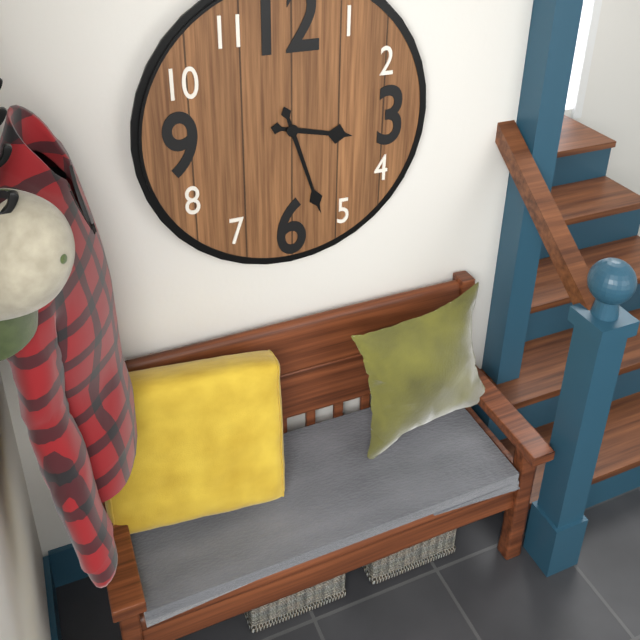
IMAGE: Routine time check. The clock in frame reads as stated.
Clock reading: 3:27
